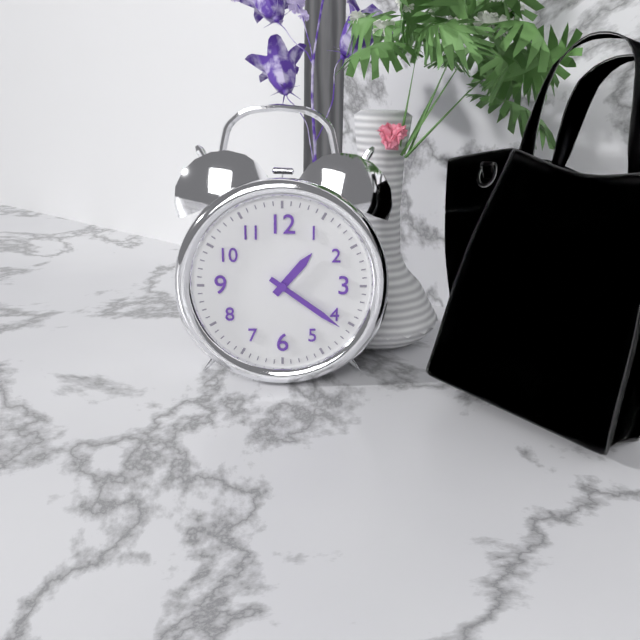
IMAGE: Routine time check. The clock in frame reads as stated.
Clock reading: 1:21
